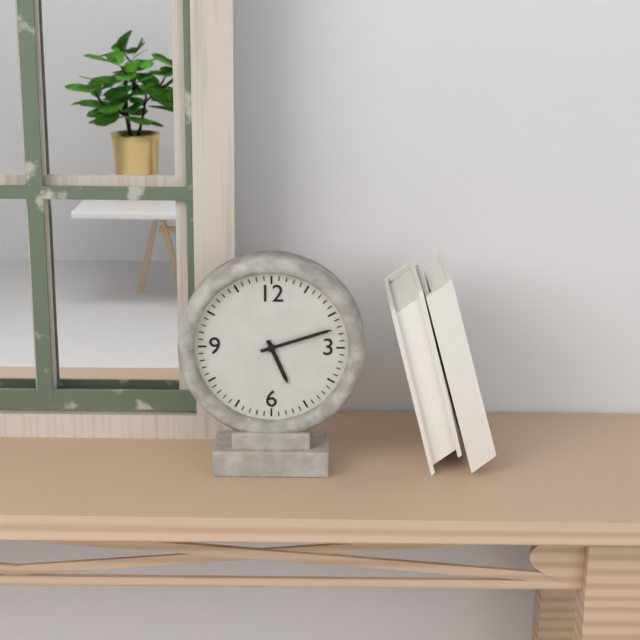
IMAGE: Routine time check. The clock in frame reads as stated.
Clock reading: 5:12
